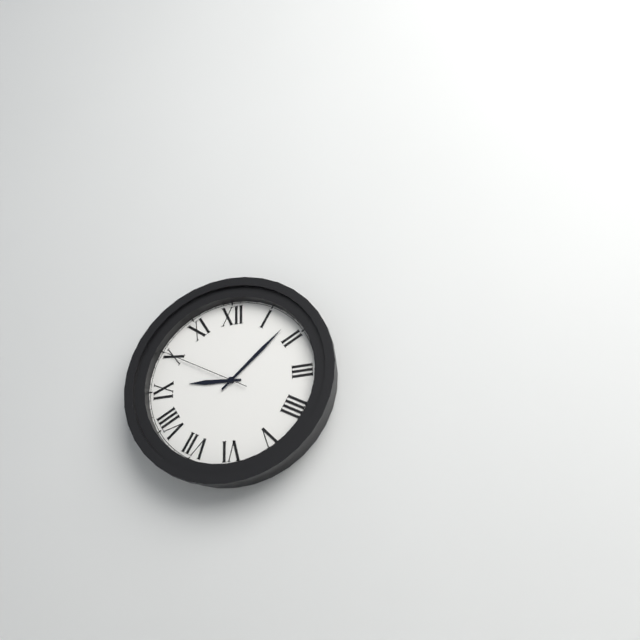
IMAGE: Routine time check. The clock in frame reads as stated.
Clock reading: 9:08:50
